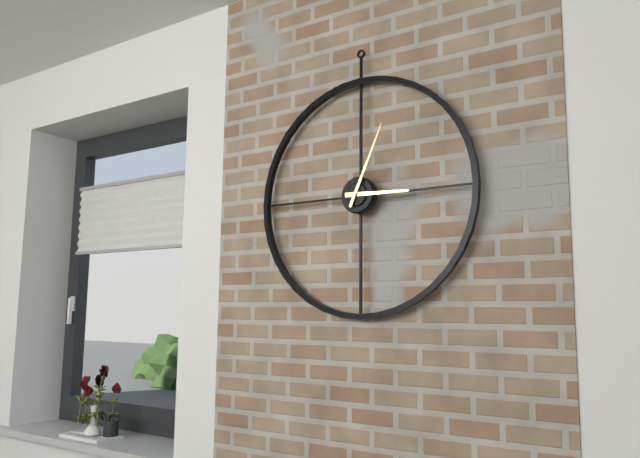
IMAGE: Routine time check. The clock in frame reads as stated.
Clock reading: 3:04
